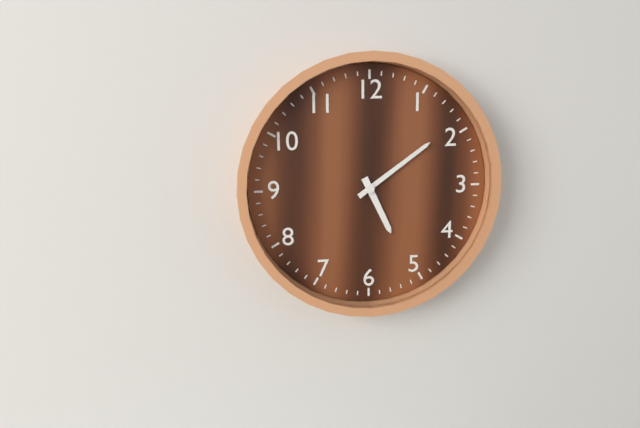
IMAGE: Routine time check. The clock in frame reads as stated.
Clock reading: 5:09
